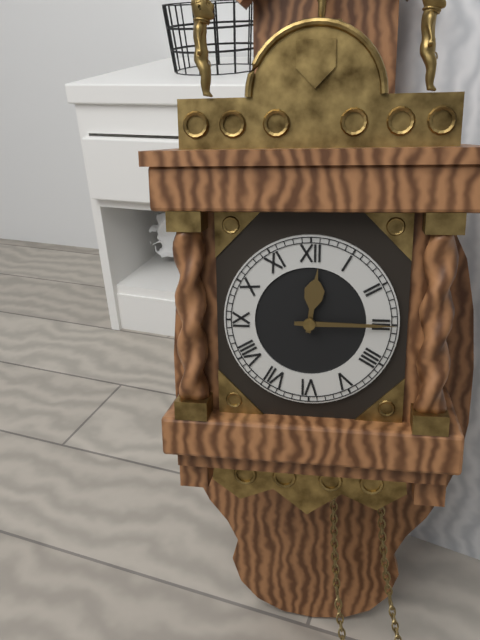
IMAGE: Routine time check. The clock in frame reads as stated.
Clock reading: 12:15
